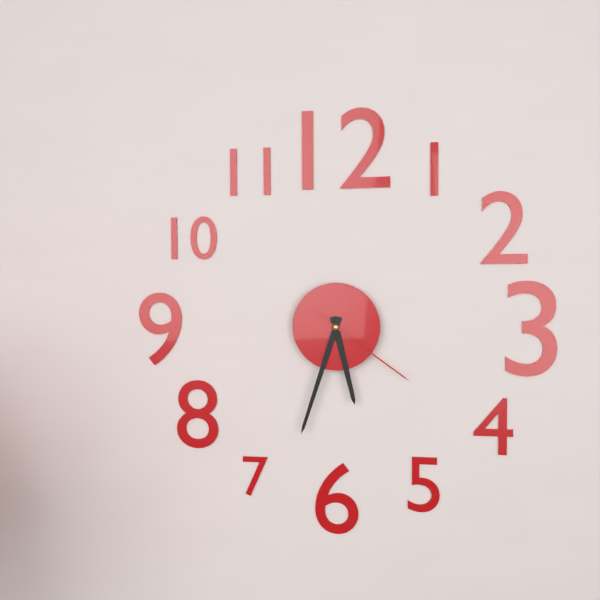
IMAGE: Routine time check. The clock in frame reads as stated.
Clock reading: 5:33:21
